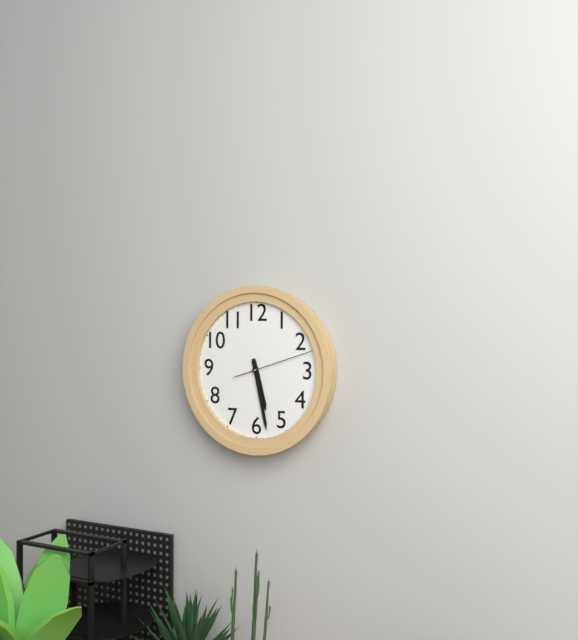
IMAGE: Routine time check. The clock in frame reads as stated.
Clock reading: 5:28:12
